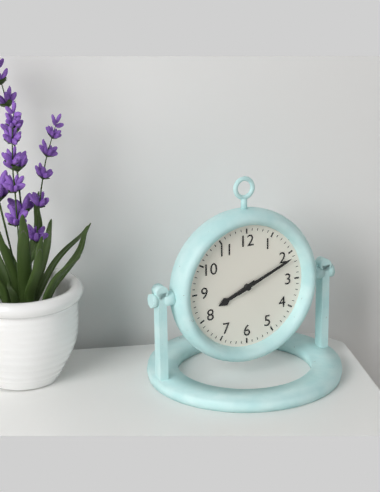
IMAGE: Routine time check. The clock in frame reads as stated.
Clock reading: 8:11
